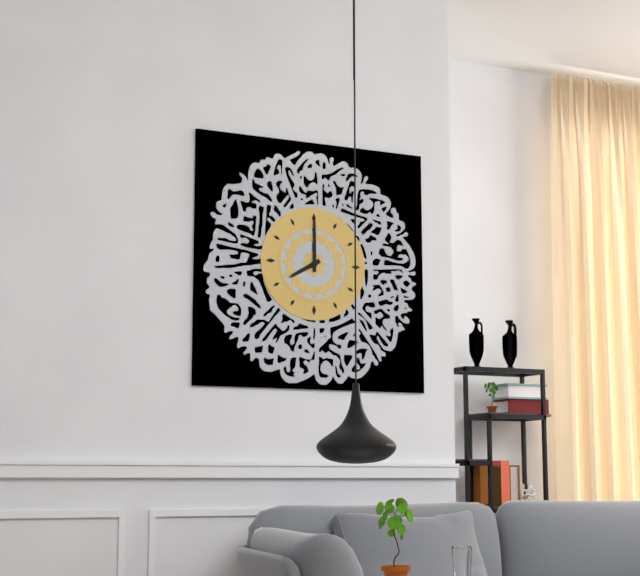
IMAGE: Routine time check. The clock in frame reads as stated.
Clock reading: 8:00
